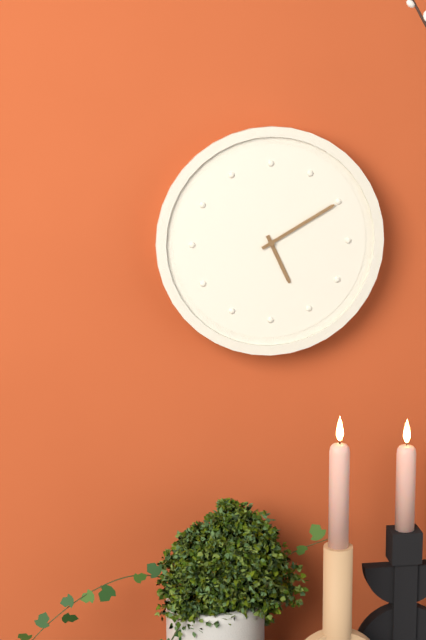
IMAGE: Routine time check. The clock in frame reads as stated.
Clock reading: 5:10
